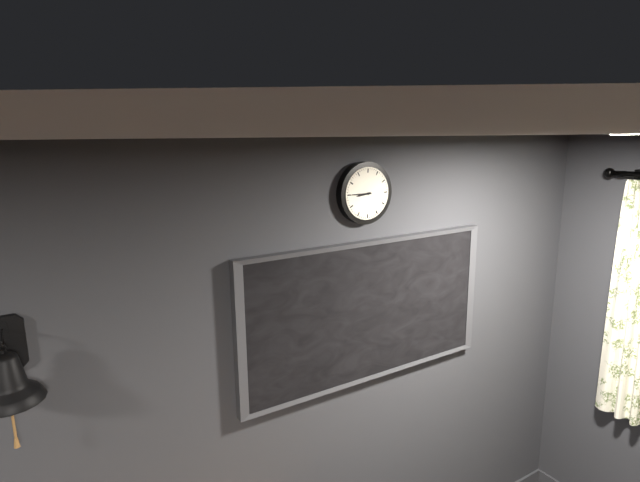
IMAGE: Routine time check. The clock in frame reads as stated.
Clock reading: 8:45
